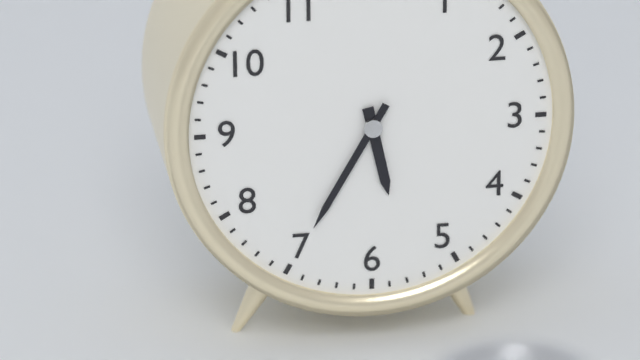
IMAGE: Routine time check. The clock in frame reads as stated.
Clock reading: 5:35
